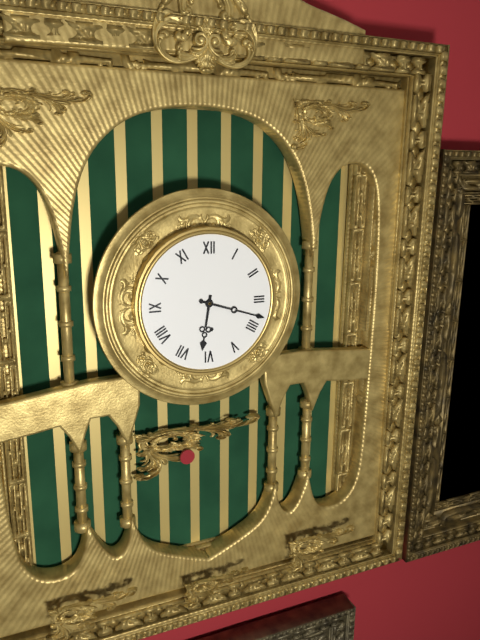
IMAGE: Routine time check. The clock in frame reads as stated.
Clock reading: 6:18
